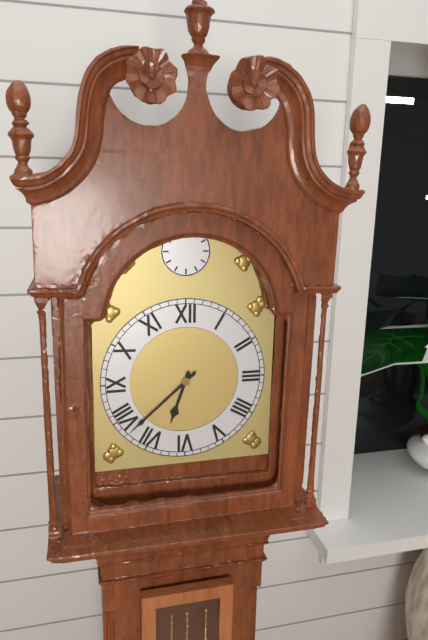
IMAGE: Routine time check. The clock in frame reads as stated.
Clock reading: 6:38
